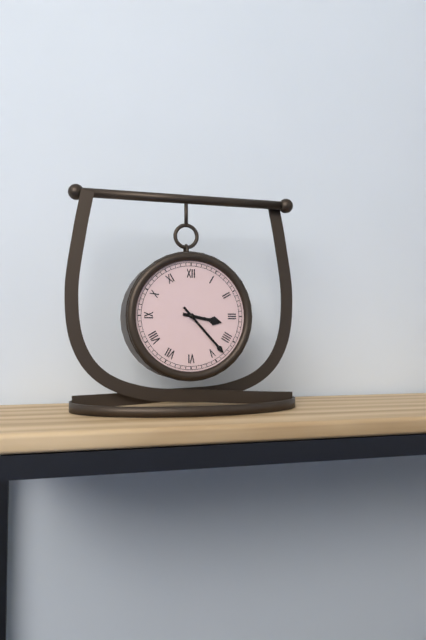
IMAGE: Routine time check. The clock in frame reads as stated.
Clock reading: 3:23
